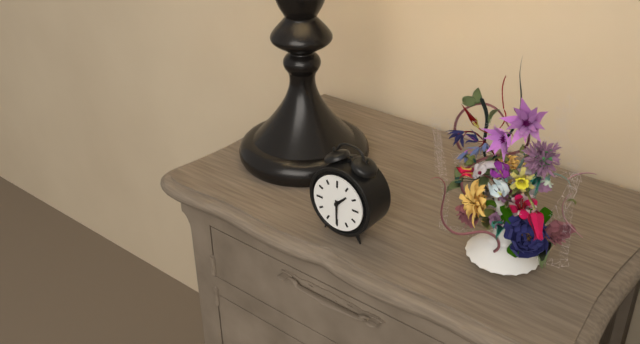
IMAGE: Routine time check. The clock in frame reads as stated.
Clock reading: 1:30
